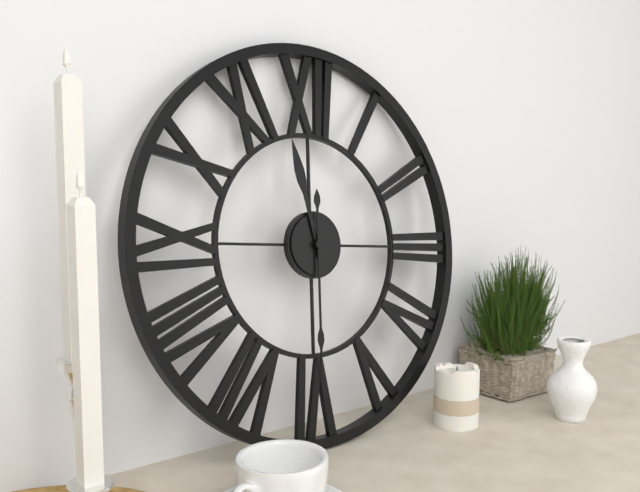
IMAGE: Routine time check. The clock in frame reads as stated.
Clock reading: 11:30
